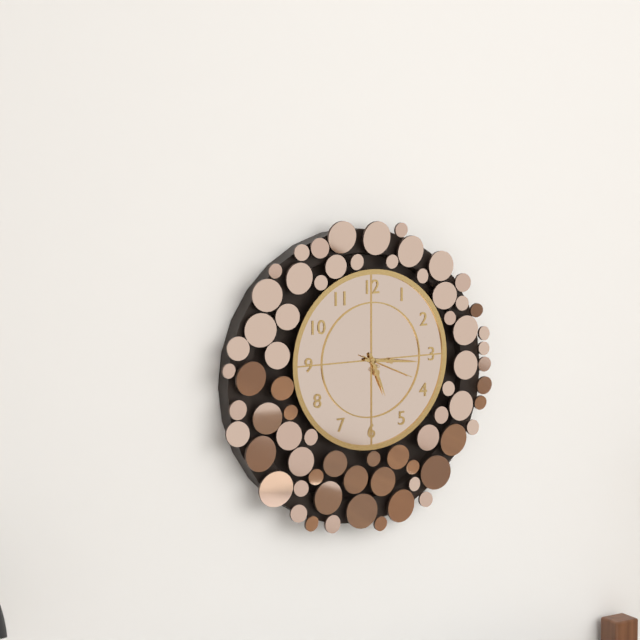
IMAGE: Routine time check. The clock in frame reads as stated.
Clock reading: 5:16:19
